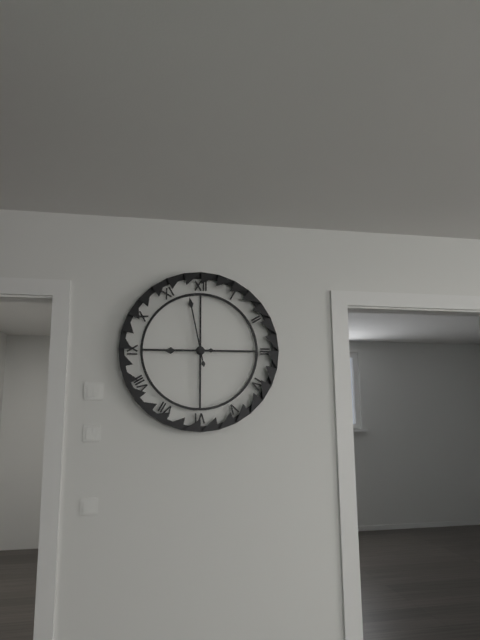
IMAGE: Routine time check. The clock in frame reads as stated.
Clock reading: 8:58
